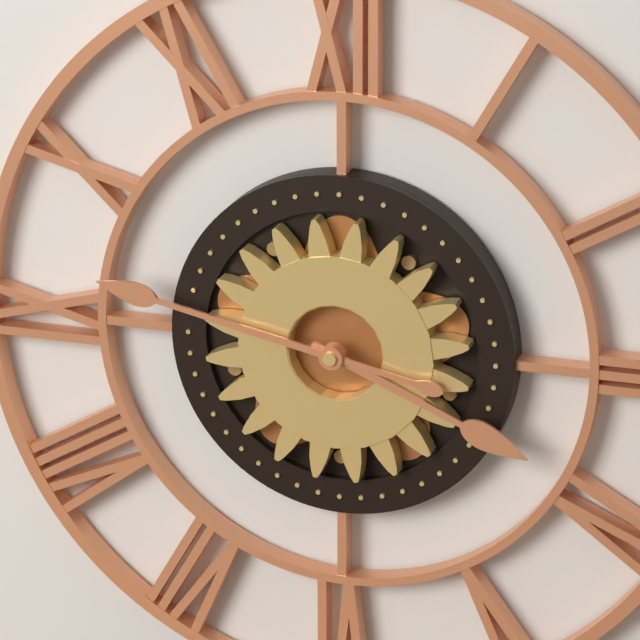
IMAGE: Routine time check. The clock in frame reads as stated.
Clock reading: 3:47
